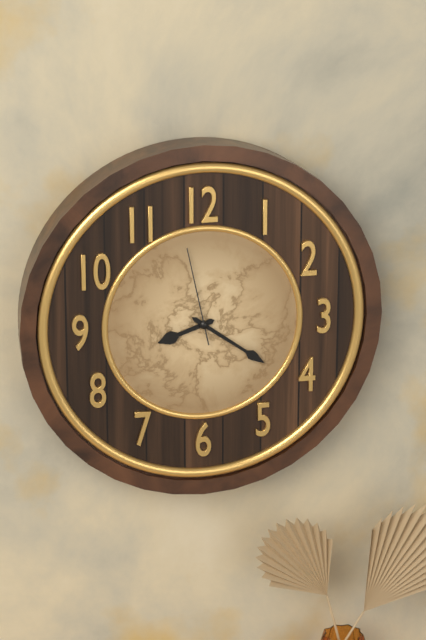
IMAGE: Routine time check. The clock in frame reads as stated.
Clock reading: 8:21:58
